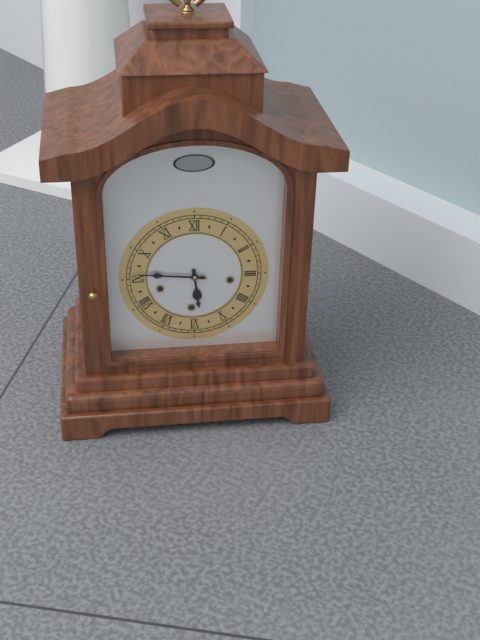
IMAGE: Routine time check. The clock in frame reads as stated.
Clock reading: 5:46
